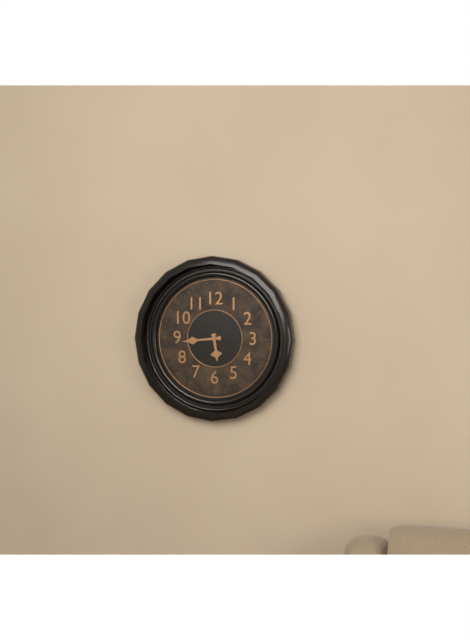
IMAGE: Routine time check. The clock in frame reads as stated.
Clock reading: 5:44
